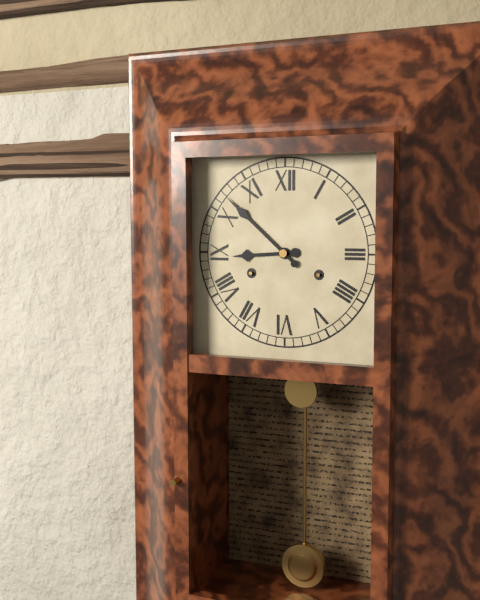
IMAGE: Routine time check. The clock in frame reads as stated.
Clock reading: 8:52
